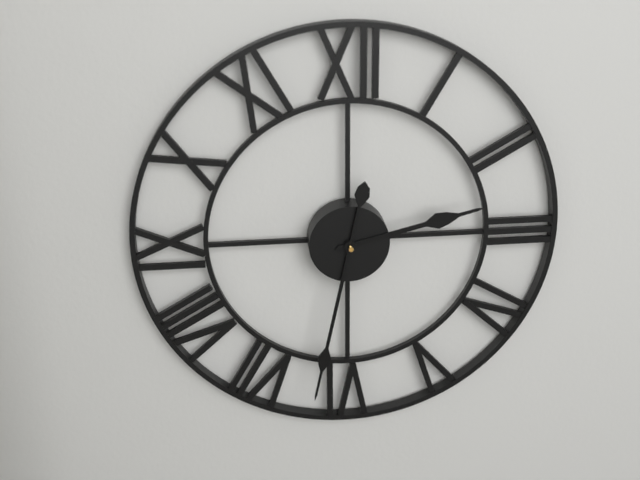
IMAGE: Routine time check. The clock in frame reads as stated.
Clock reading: 2:32
